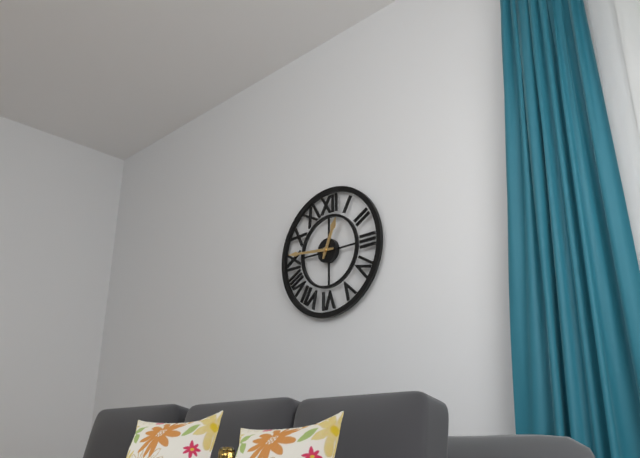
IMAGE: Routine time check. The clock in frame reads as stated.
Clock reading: 12:46
